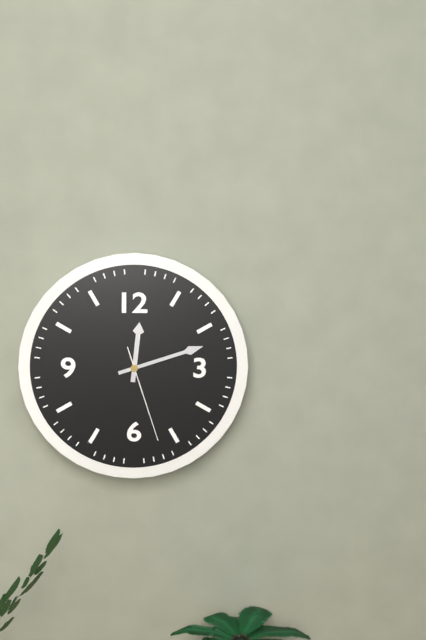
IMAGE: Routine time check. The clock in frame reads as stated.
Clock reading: 12:12:27
